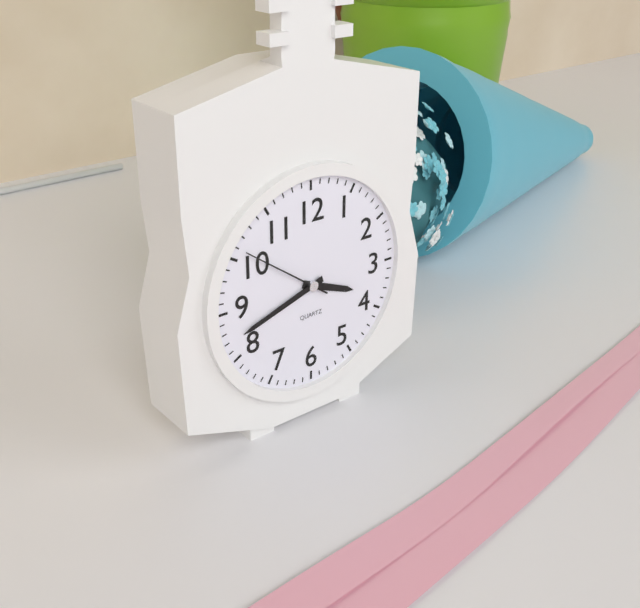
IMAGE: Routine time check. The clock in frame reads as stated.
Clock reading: 3:42:51
